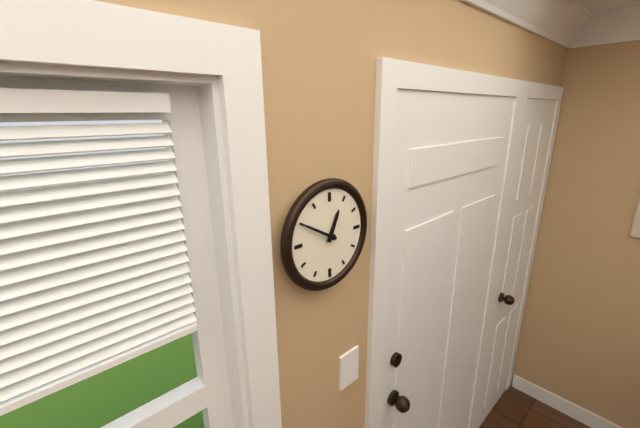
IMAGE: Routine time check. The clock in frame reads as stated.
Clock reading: 12:50
